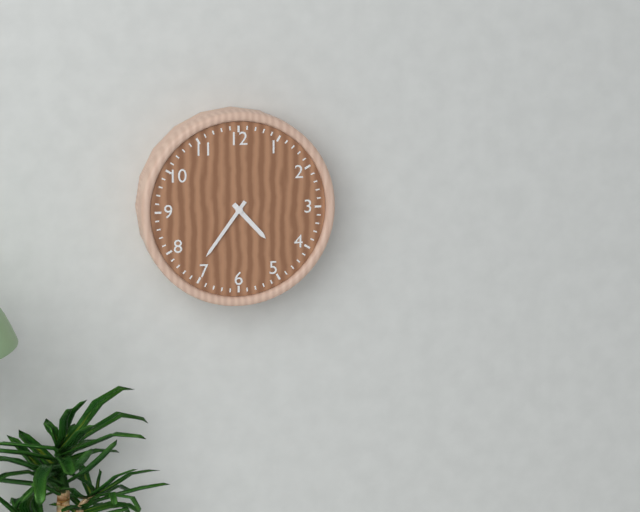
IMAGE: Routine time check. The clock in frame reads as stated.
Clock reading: 4:36
